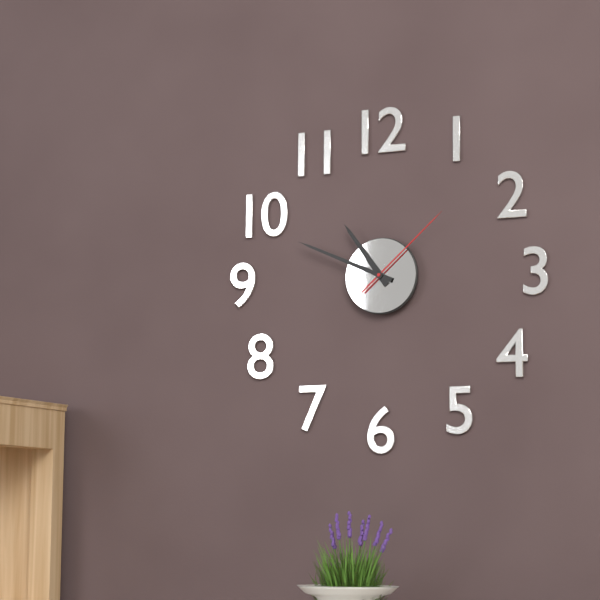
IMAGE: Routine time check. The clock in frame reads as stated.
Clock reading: 10:49:08
